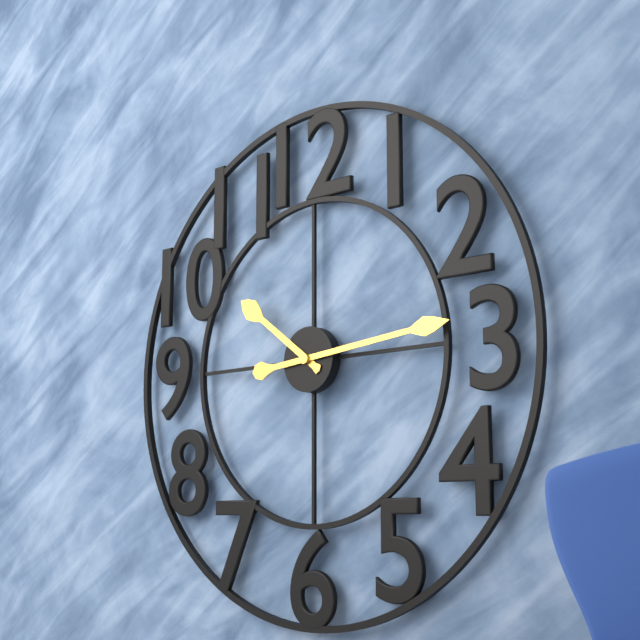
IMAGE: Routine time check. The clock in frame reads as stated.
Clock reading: 10:14
